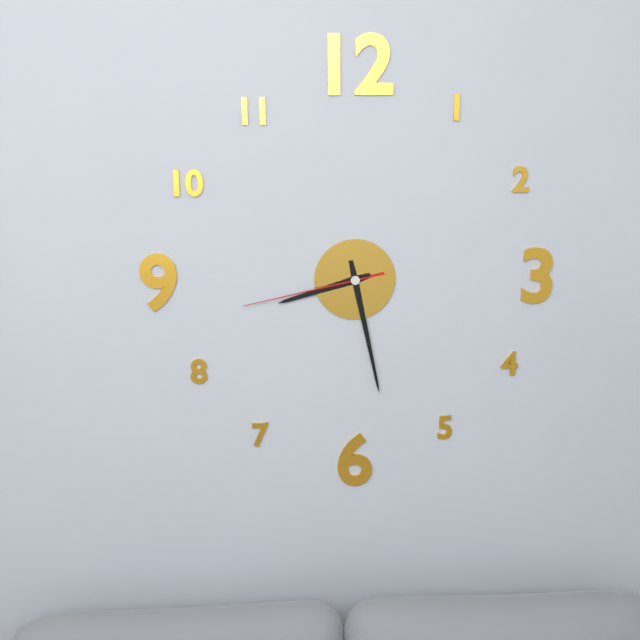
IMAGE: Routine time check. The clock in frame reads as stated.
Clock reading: 8:28:43
